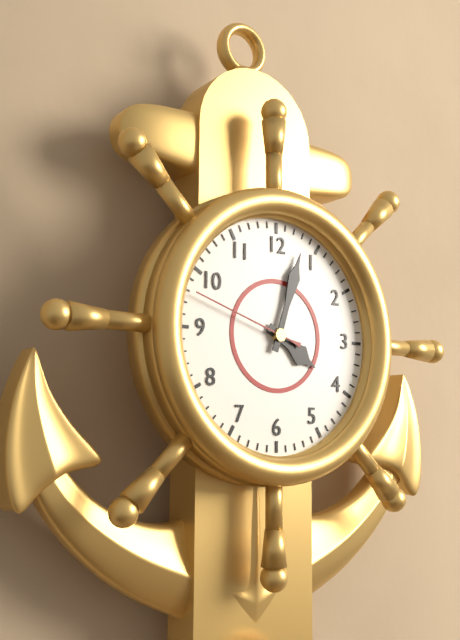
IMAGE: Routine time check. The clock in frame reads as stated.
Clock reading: 4:03:48
